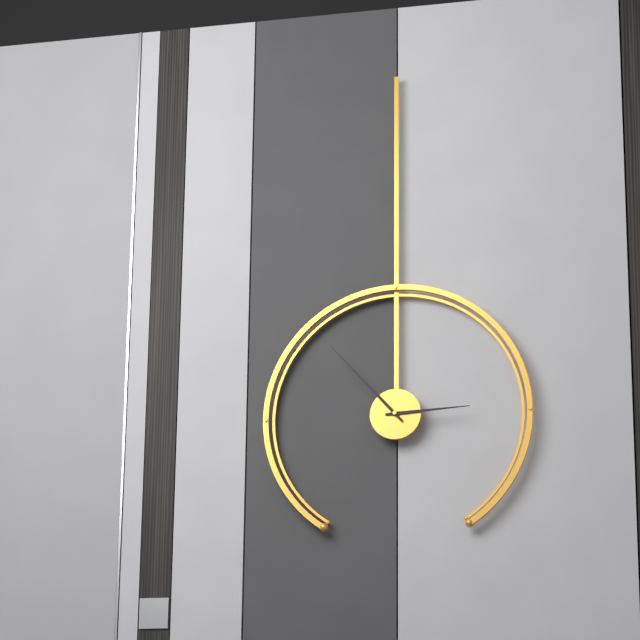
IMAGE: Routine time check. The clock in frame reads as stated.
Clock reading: 2:53
